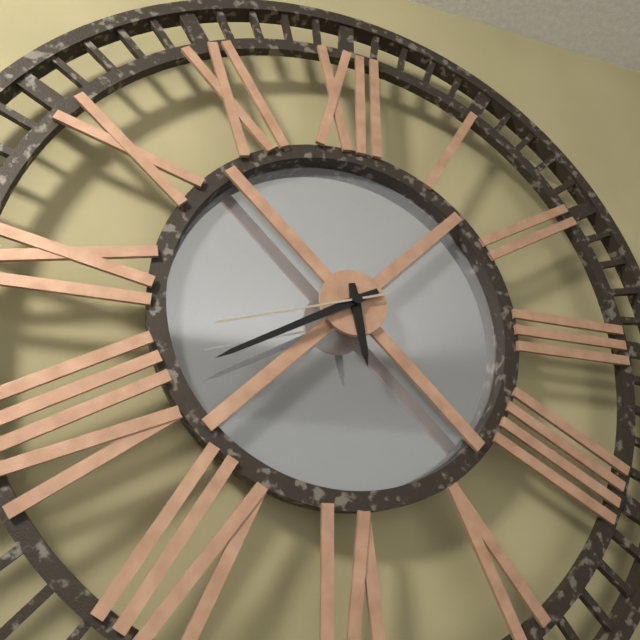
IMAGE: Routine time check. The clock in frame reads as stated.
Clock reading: 5:40:42
